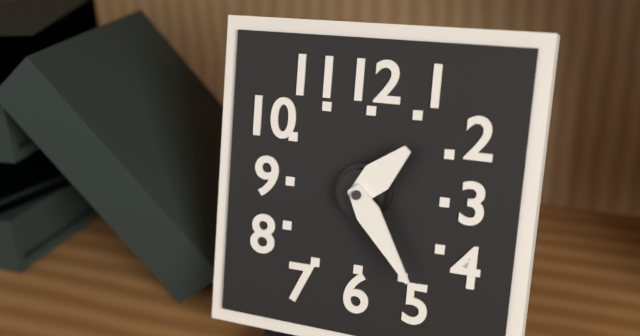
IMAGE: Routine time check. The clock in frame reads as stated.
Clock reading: 1:24
